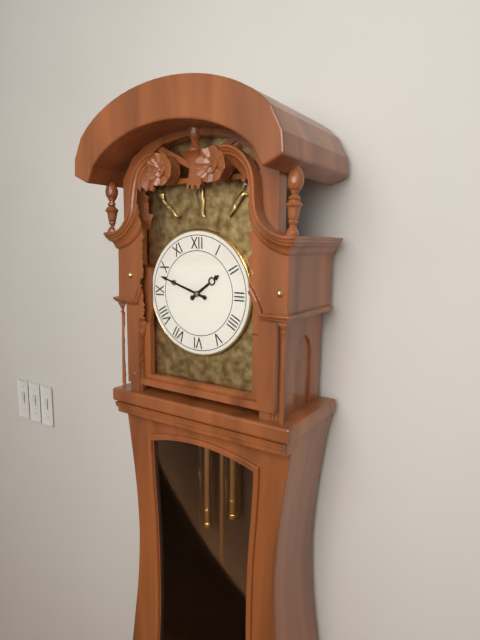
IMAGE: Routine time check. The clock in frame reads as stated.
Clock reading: 1:48
